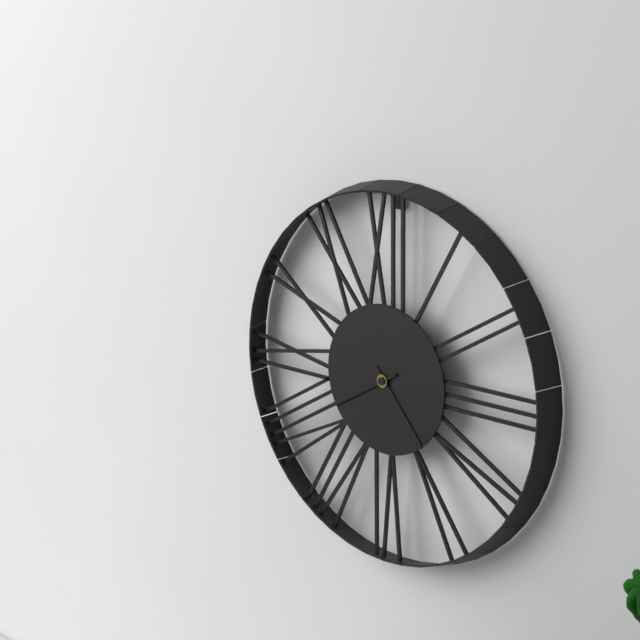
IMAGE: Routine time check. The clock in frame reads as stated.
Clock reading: 4:40
